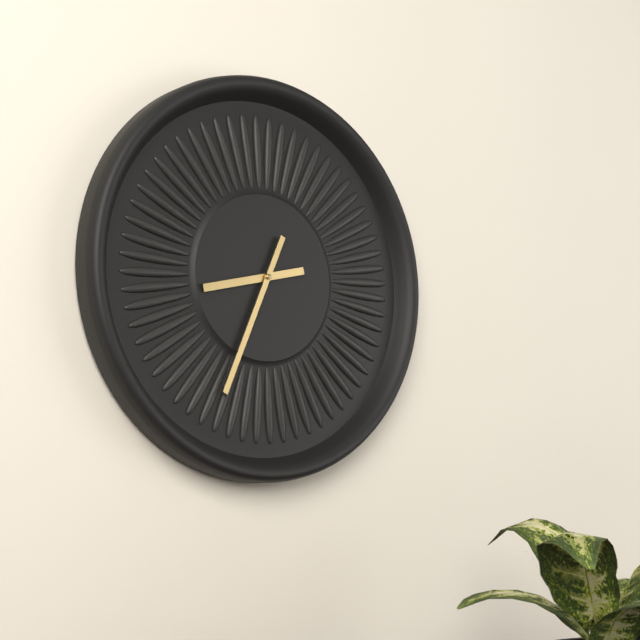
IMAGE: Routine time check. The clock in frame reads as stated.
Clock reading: 8:34
